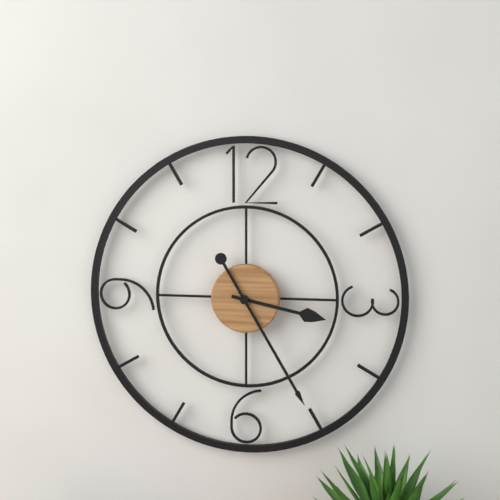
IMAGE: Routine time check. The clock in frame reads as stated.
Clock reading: 3:25
